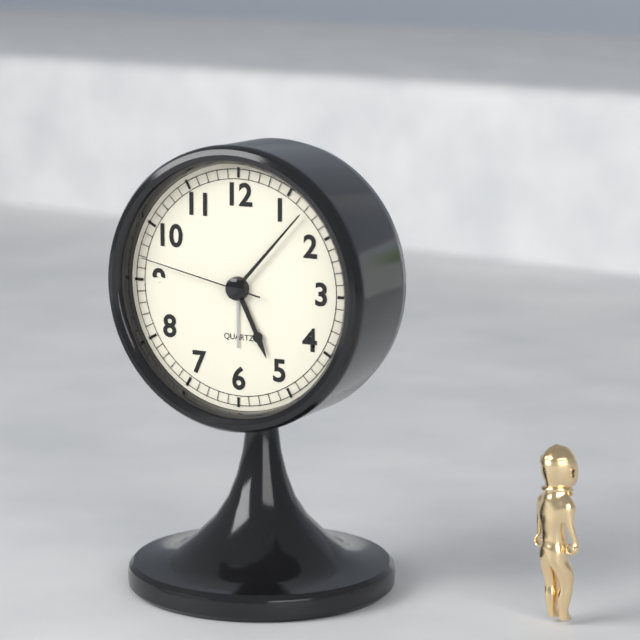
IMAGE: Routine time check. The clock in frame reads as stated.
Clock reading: 5:07:47
